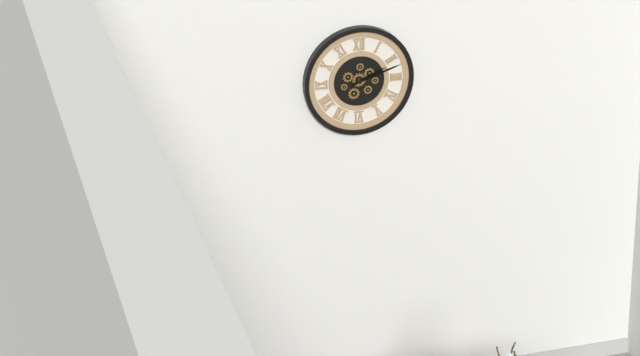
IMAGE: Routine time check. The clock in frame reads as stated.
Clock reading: 2:12
